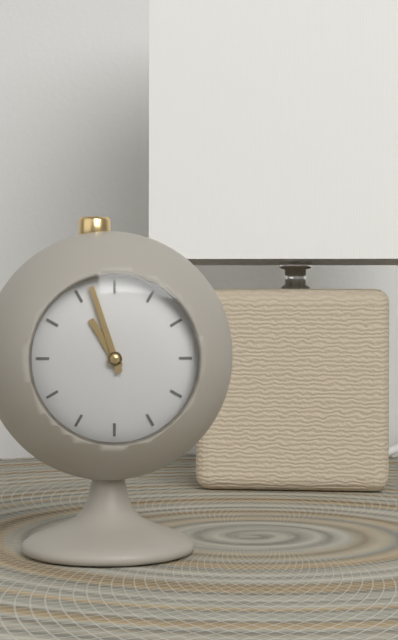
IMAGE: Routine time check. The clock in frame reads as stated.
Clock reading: 10:57
